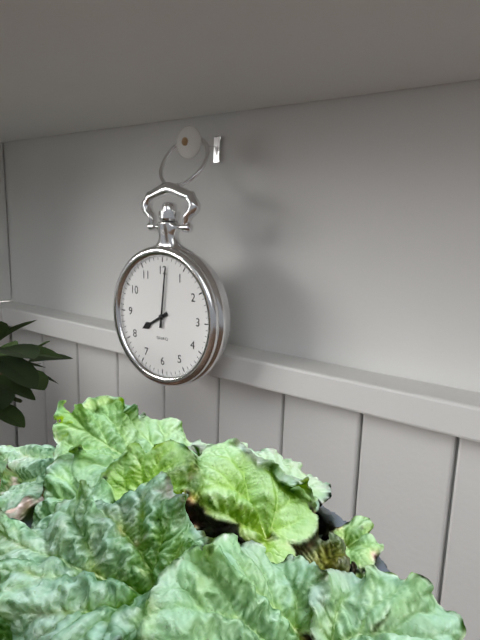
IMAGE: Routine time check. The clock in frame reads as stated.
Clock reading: 8:01
